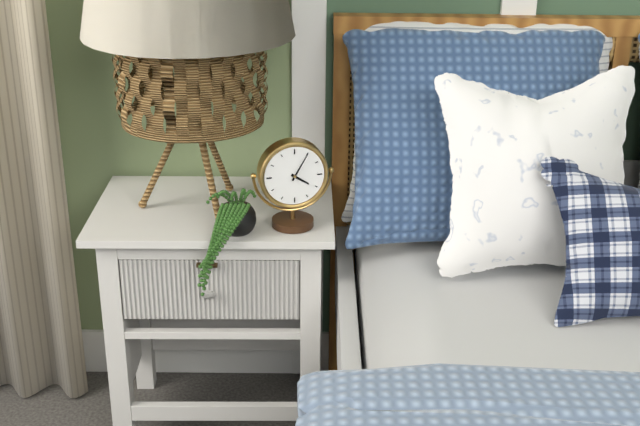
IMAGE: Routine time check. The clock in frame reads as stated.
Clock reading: 4:05
